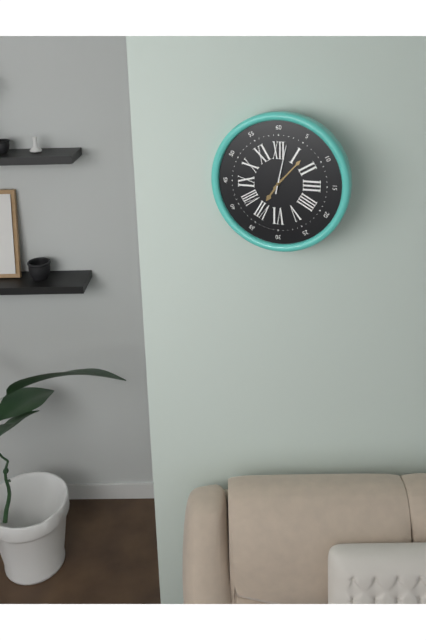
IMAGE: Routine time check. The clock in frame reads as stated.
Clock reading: 7:07:02
